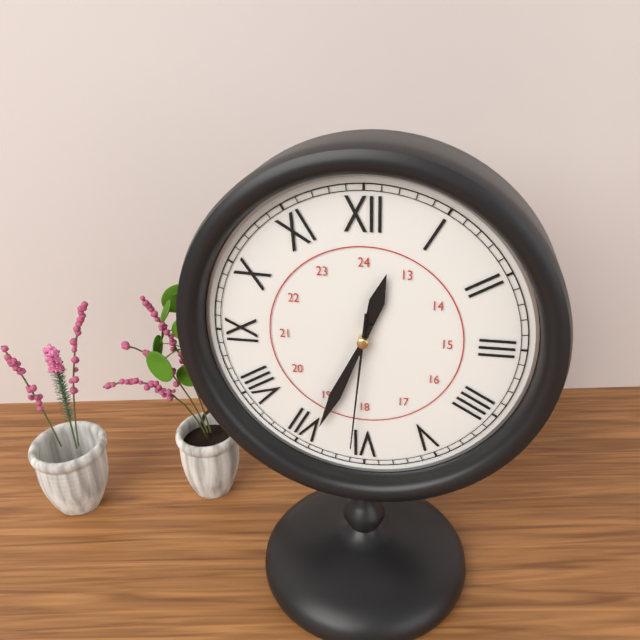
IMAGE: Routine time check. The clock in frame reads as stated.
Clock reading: 12:34:31
